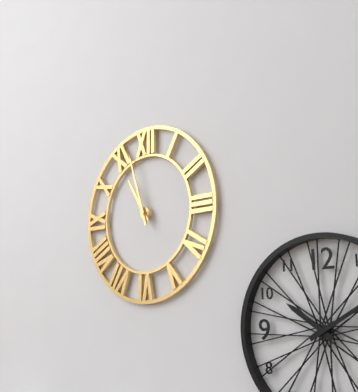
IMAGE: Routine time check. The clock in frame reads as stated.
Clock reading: 10:57
